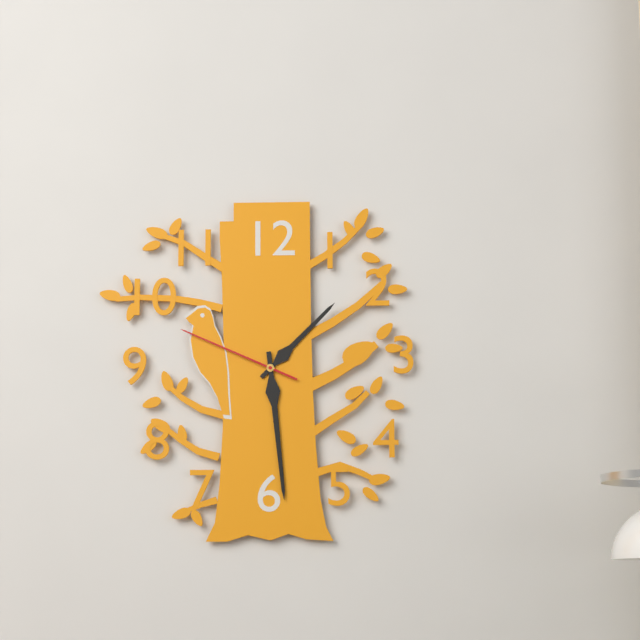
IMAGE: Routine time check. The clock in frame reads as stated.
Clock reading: 1:29:49
